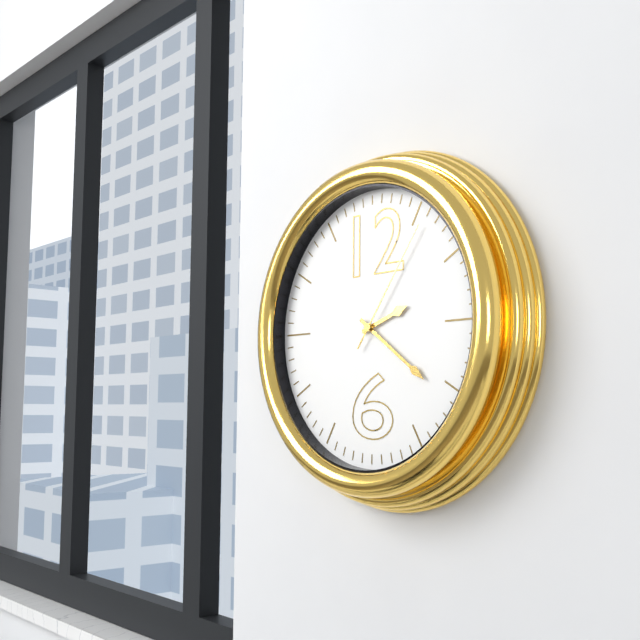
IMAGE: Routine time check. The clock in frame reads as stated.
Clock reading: 2:21:06
